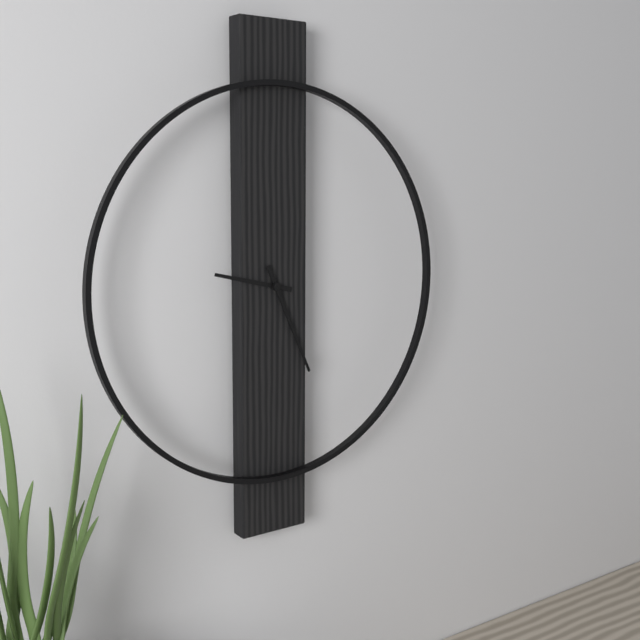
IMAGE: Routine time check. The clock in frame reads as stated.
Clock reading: 9:26
